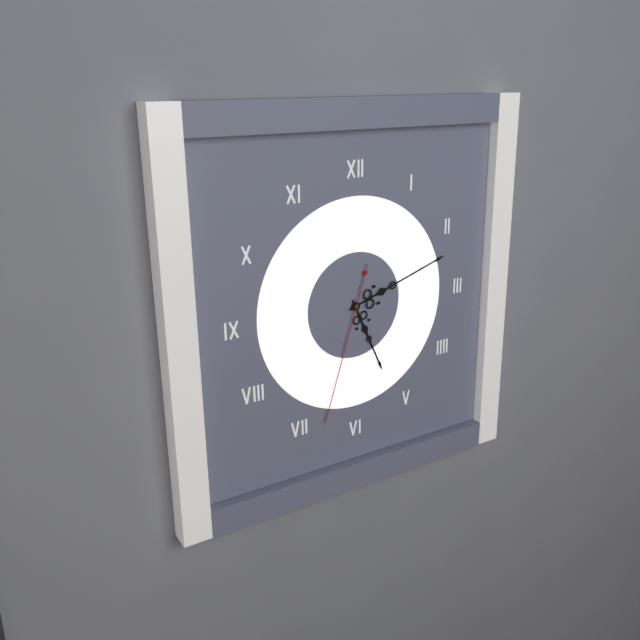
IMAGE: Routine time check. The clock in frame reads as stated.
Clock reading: 5:12:33
